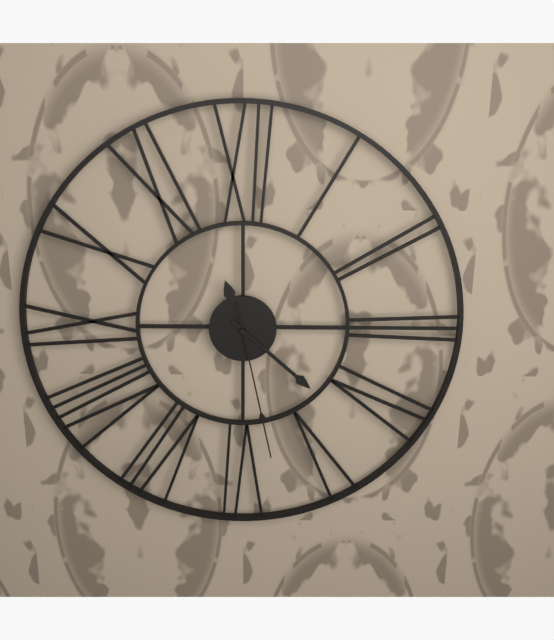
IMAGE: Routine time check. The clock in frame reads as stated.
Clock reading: 11:22:28
